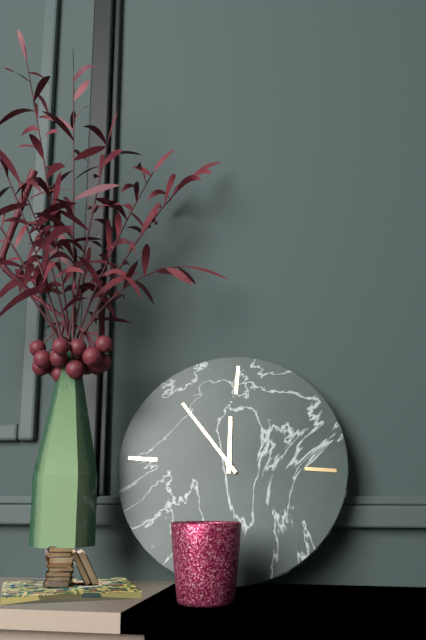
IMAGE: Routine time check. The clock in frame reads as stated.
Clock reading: 11:53
